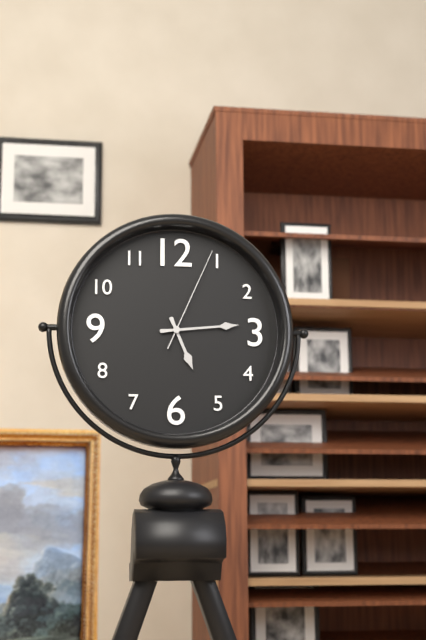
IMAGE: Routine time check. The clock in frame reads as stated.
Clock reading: 5:14:04
